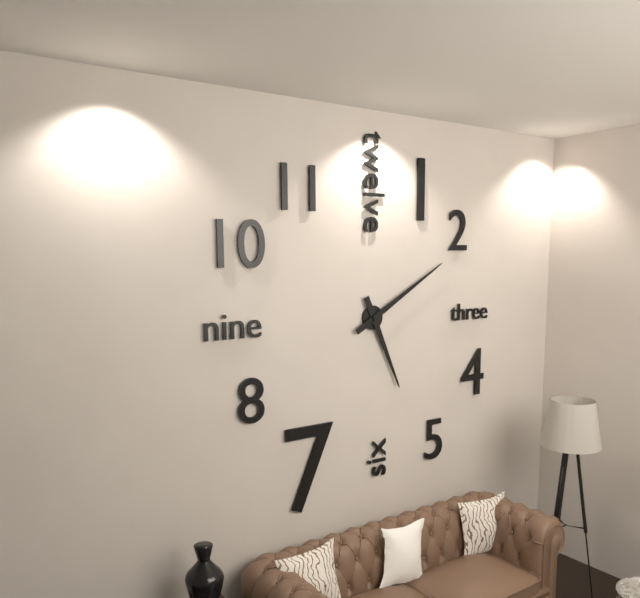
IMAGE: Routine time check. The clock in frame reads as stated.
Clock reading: 5:10
